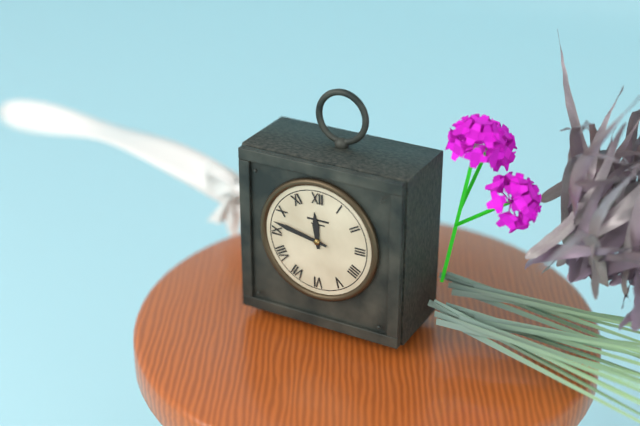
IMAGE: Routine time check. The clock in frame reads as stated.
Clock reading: 11:47
